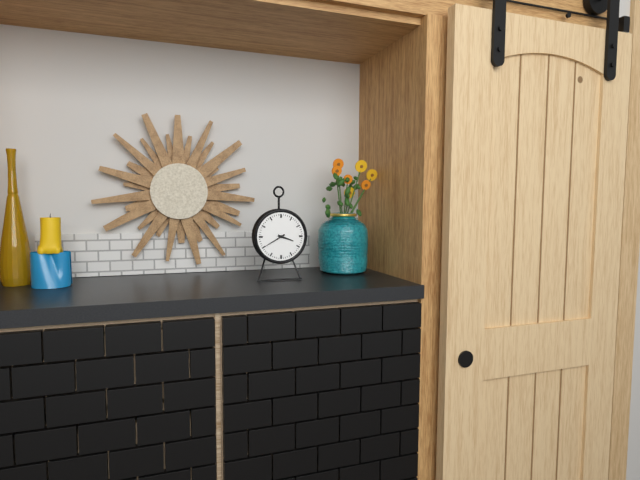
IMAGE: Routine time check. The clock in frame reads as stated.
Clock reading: 3:40
